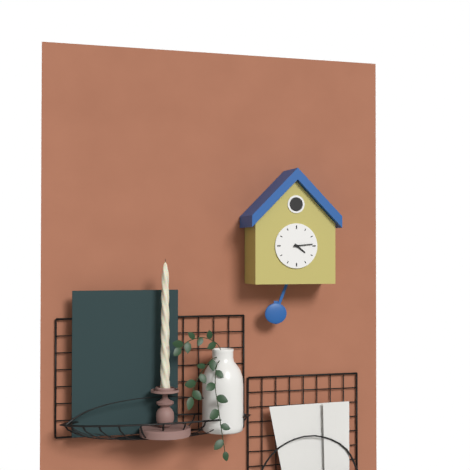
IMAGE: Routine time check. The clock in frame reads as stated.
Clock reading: 4:14
